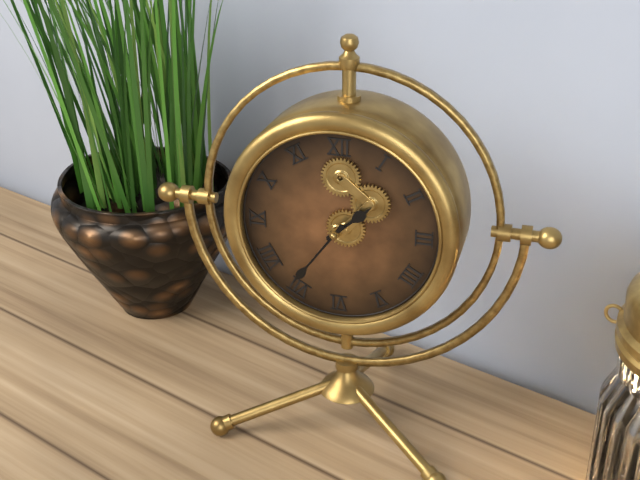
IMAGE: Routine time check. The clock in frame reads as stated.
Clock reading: 1:36
